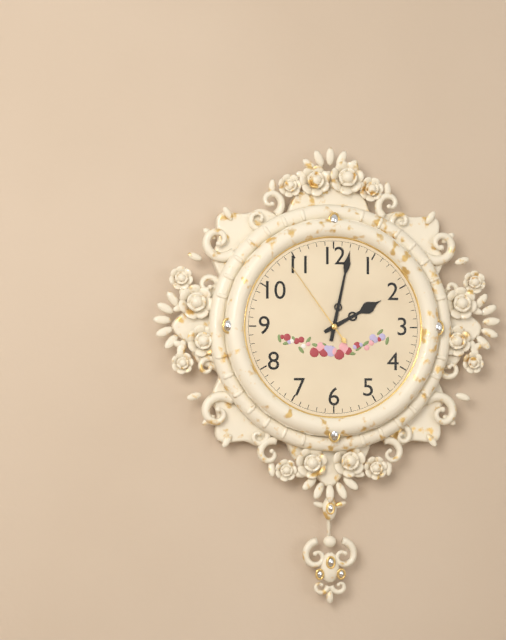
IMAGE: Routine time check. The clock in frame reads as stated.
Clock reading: 2:02:54
